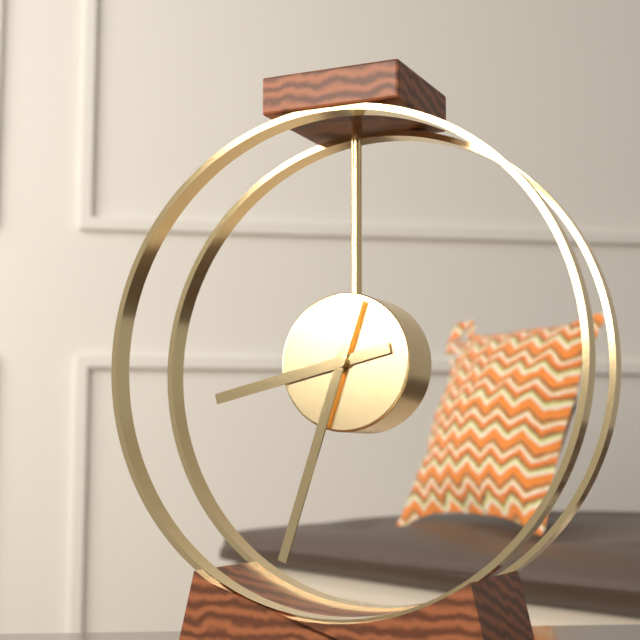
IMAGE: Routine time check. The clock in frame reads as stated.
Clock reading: 8:33
